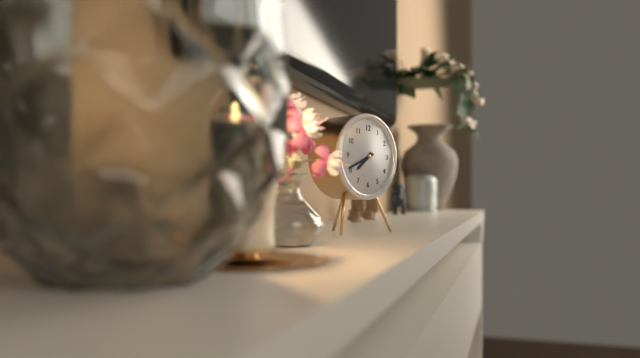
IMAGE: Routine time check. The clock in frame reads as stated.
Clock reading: 7:41
